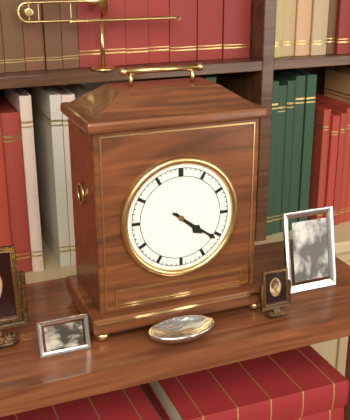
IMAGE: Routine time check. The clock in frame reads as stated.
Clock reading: 4:21
